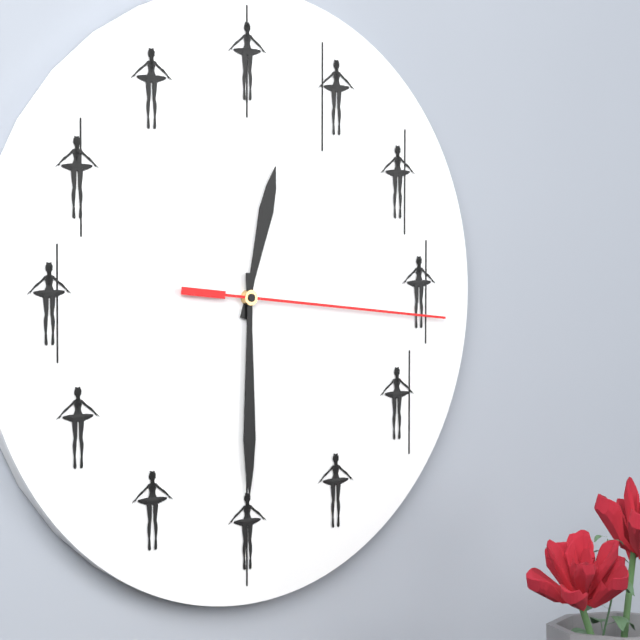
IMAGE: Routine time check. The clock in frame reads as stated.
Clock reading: 12:30:16
